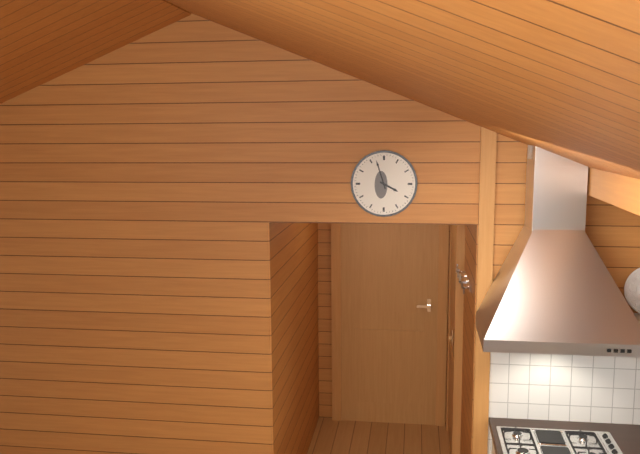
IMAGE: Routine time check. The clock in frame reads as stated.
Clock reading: 3:57
